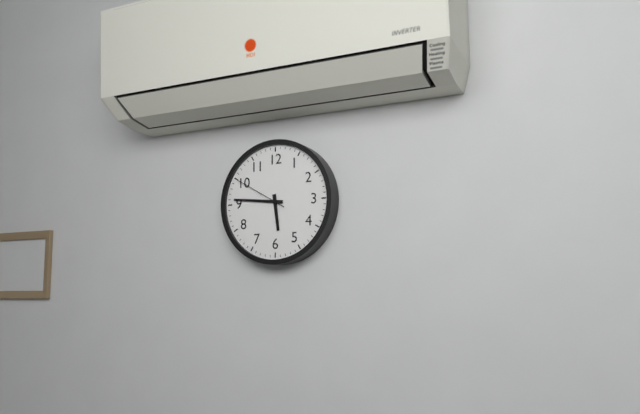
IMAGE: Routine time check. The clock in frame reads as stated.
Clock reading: 5:46:50
